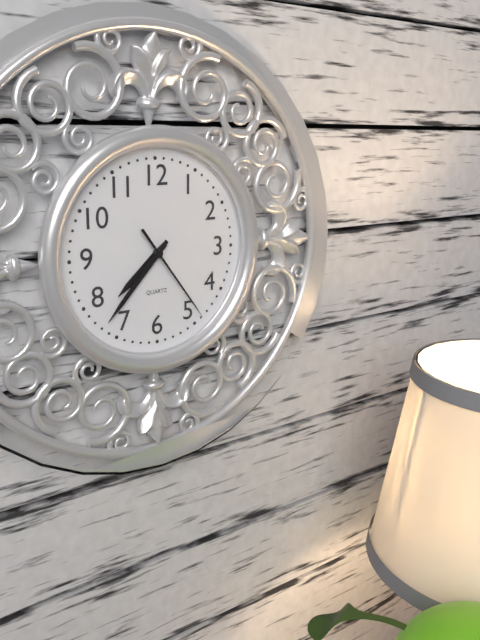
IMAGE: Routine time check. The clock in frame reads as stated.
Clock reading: 7:37:24
